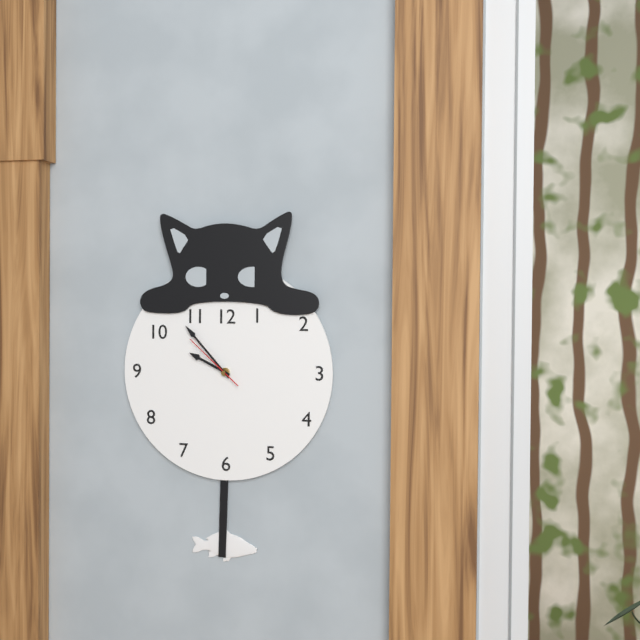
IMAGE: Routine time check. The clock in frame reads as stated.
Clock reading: 9:53:52
